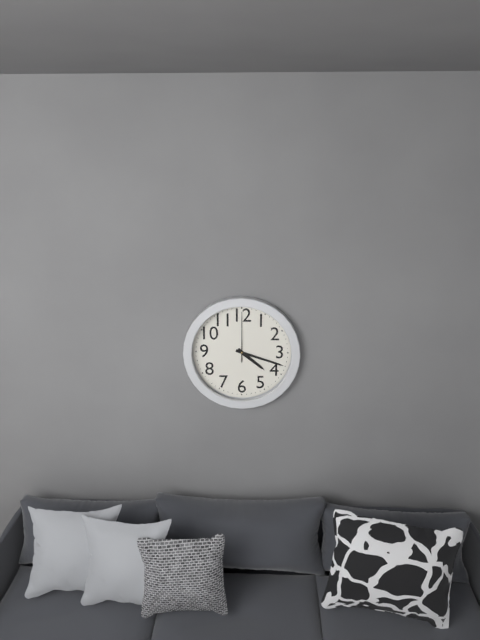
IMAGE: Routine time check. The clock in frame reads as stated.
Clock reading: 4:18
